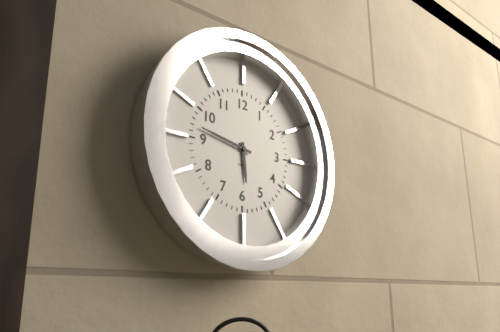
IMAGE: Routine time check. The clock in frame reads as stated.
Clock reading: 5:47
